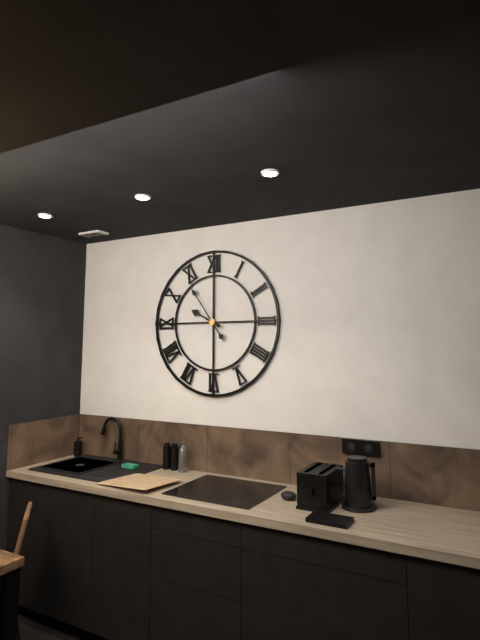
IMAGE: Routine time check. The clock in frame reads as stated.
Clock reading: 9:54
